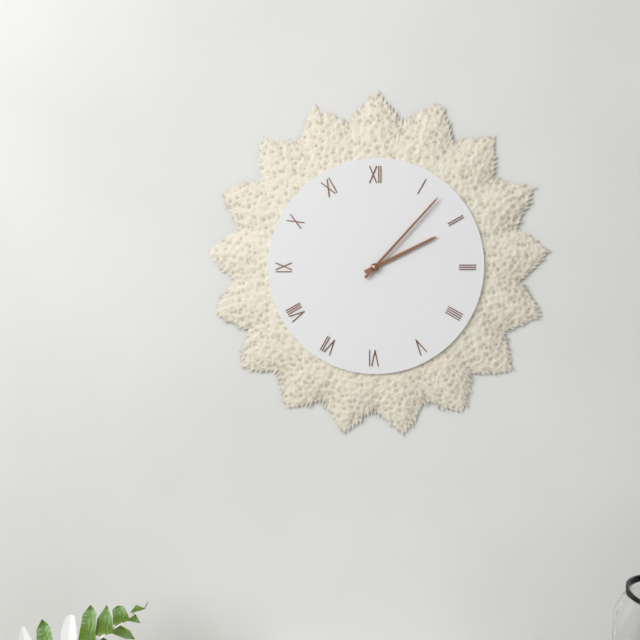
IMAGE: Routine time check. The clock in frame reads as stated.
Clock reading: 2:07
